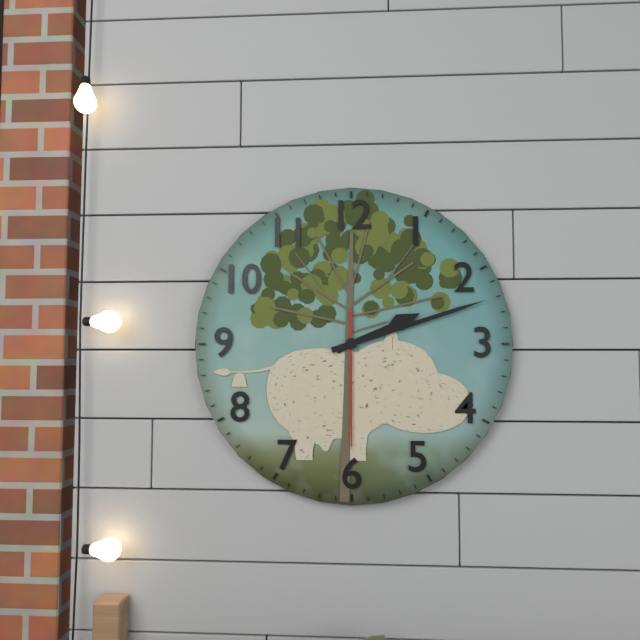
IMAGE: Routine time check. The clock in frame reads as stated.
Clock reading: 2:12:30
